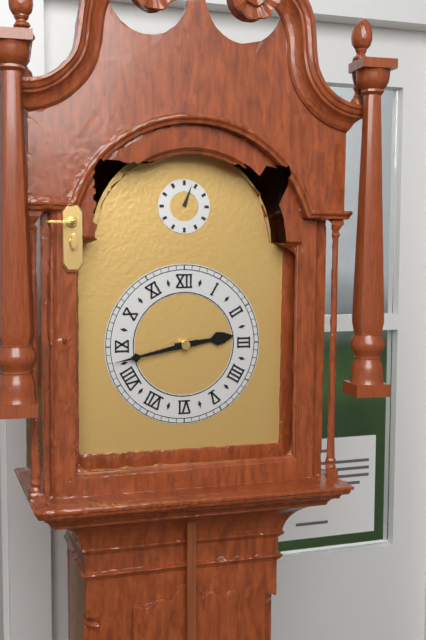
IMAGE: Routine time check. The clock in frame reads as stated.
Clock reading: 2:43
